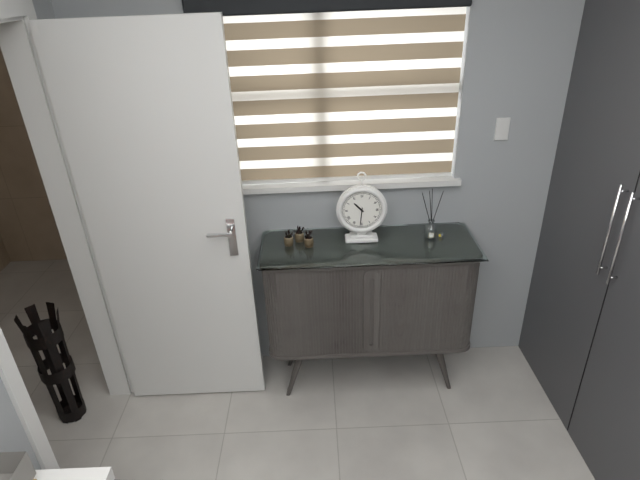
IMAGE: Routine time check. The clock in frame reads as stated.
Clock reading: 10:31
